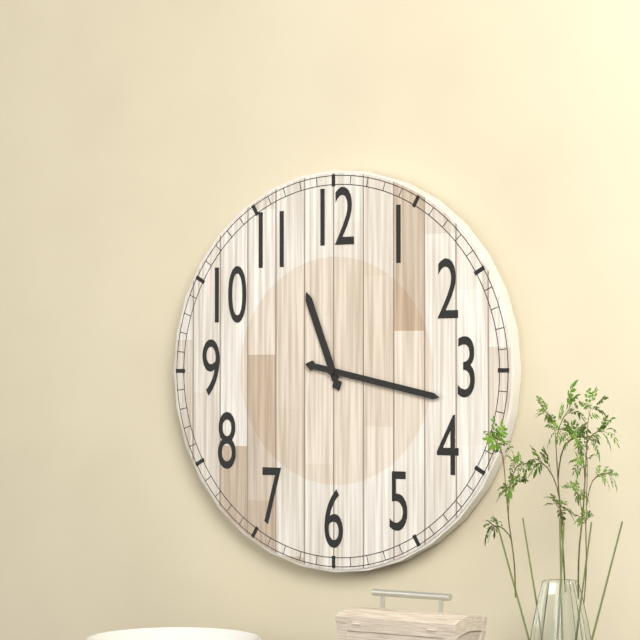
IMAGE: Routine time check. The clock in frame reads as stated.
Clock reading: 11:17
